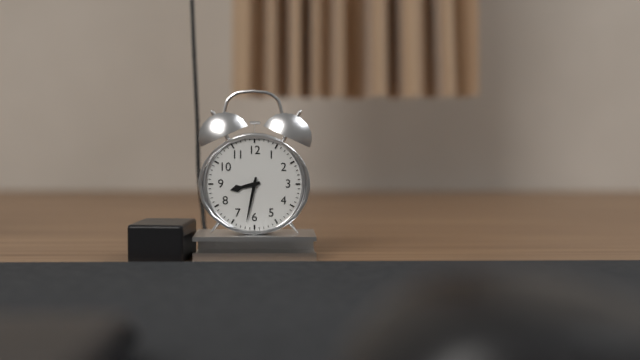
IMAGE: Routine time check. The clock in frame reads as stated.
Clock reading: 8:32
